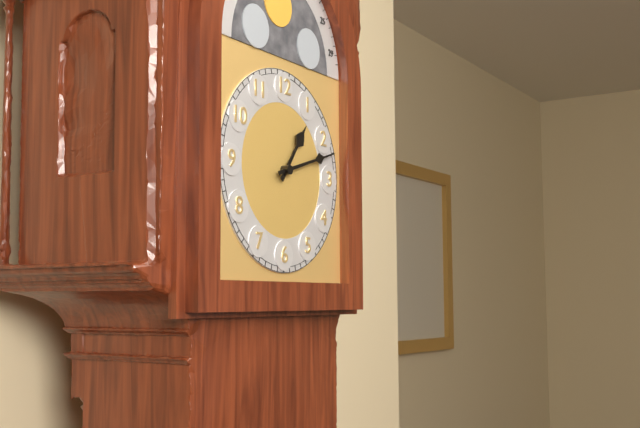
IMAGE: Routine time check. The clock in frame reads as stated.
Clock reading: 1:12
